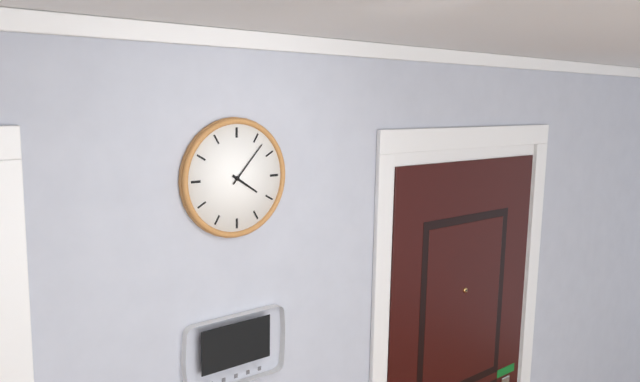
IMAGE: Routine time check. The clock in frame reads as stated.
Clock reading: 4:07
